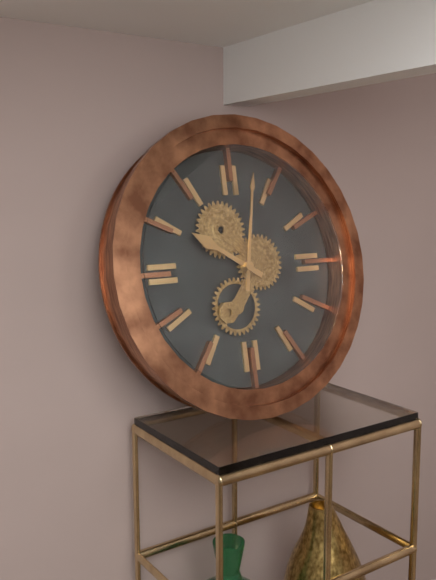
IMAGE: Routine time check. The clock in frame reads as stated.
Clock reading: 10:02
